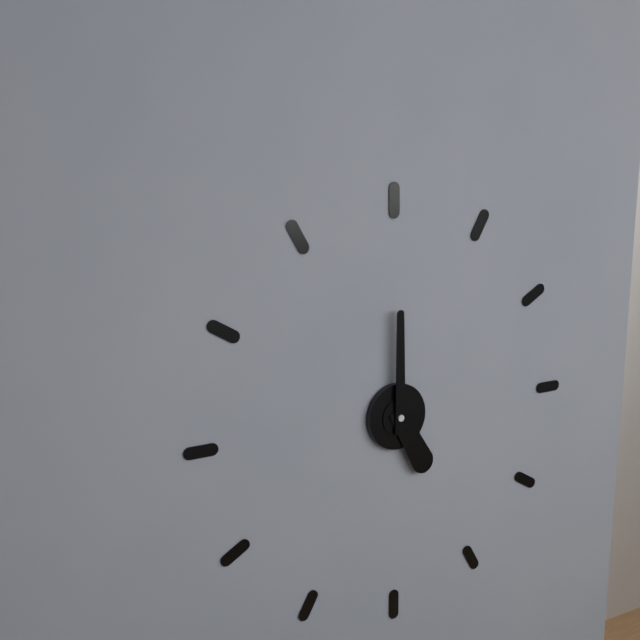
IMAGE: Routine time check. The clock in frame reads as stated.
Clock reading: 5:00
